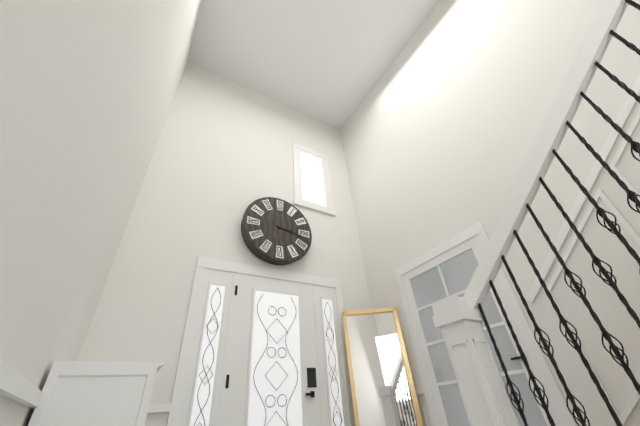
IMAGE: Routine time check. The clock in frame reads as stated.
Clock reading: 3:17
